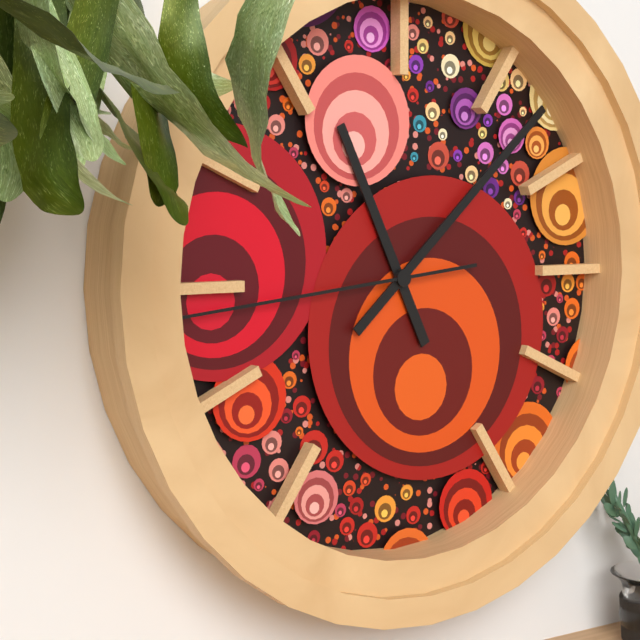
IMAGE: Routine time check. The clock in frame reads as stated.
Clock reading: 11:08:44
